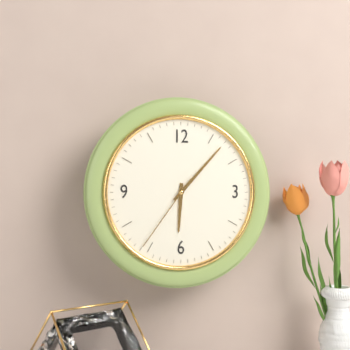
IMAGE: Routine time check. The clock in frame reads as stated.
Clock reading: 6:07:36
